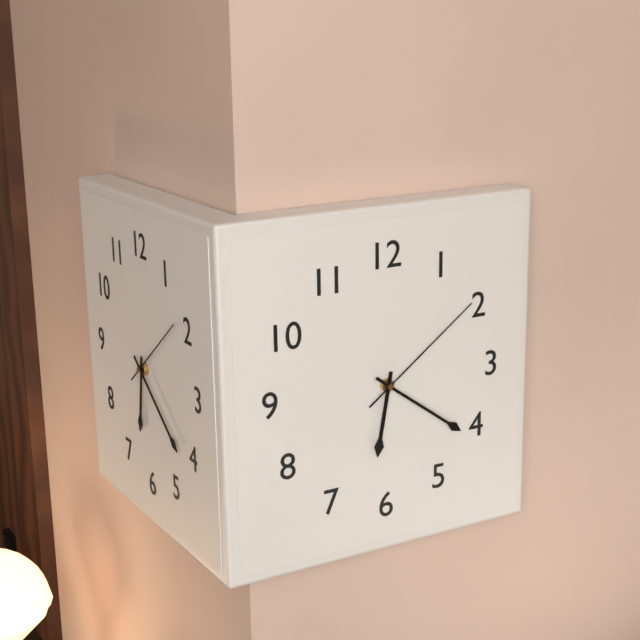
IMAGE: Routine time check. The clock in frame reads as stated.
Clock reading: 6:21:09
